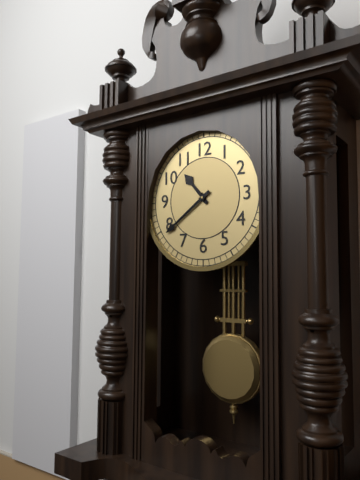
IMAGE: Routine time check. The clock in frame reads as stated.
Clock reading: 10:39
